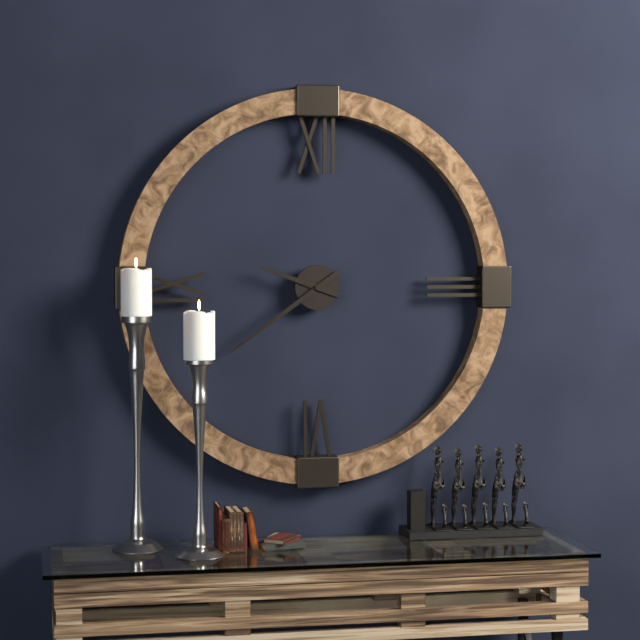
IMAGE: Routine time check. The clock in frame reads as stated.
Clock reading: 9:39
